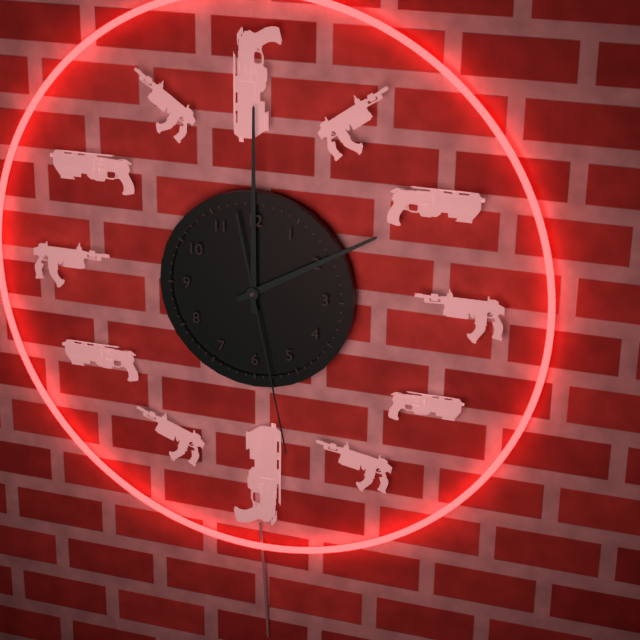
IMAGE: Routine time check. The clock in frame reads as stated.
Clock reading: 2:00:28
